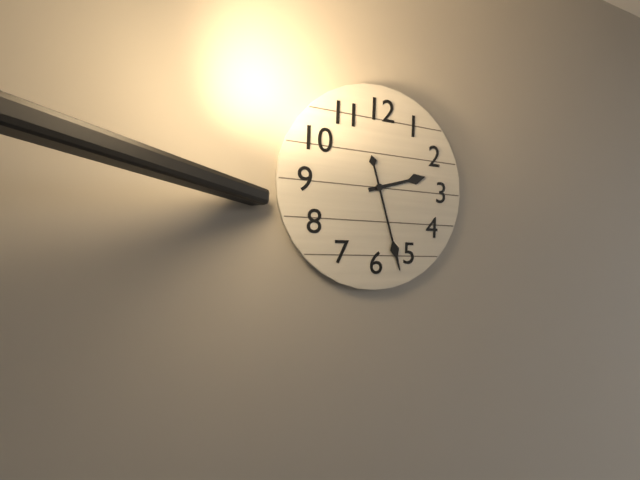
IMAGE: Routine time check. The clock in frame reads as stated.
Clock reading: 2:27
